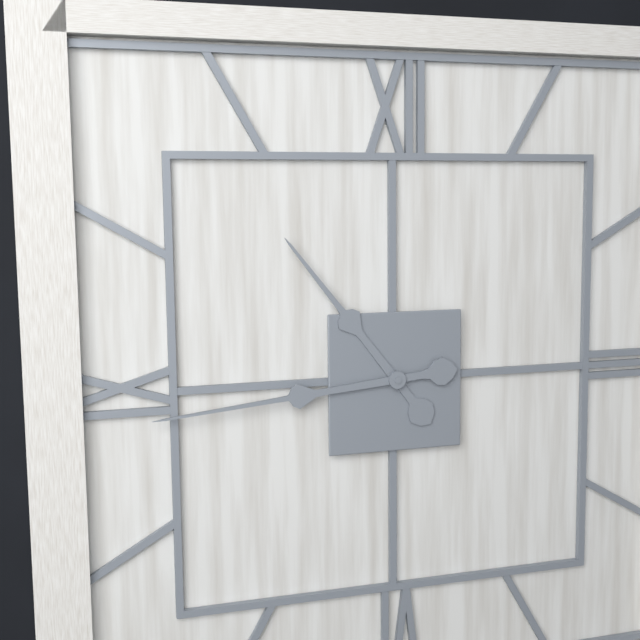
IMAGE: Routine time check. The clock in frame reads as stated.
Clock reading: 10:44
